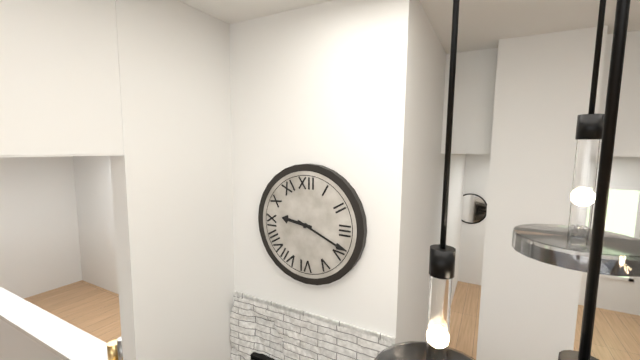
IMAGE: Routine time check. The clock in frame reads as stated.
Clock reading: 9:19
